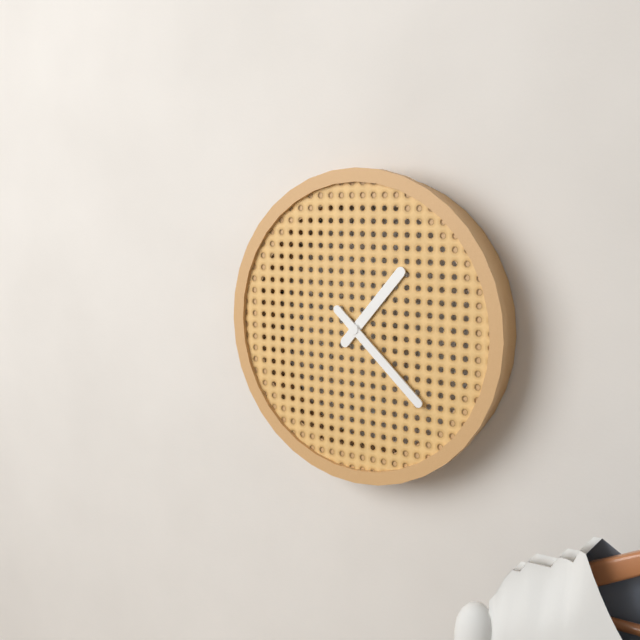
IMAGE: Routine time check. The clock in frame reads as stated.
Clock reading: 1:22
